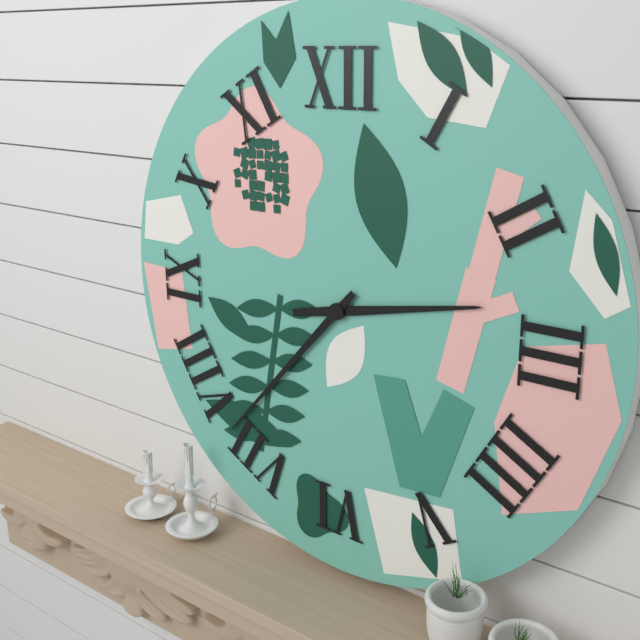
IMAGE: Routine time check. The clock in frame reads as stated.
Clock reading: 2:37
